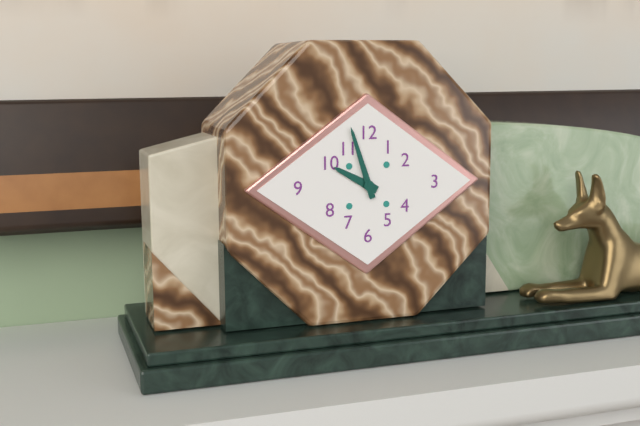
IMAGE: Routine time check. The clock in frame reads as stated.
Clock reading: 9:57
